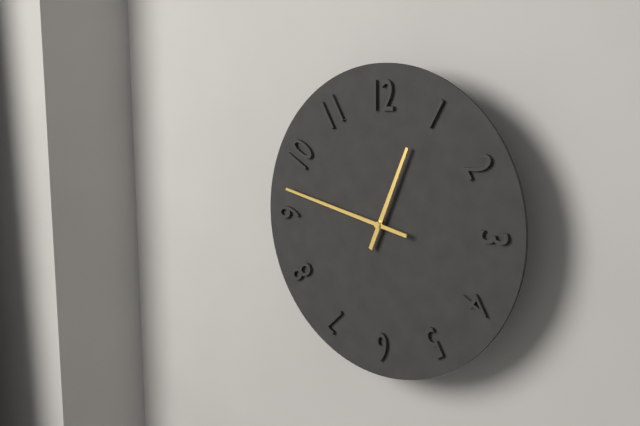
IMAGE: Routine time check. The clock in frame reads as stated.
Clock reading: 12:47
